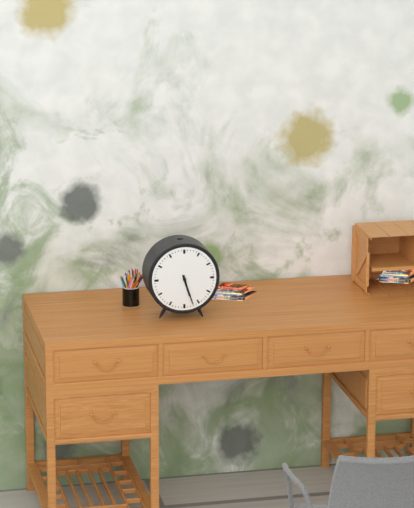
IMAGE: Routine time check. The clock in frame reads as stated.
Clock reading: 5:27
